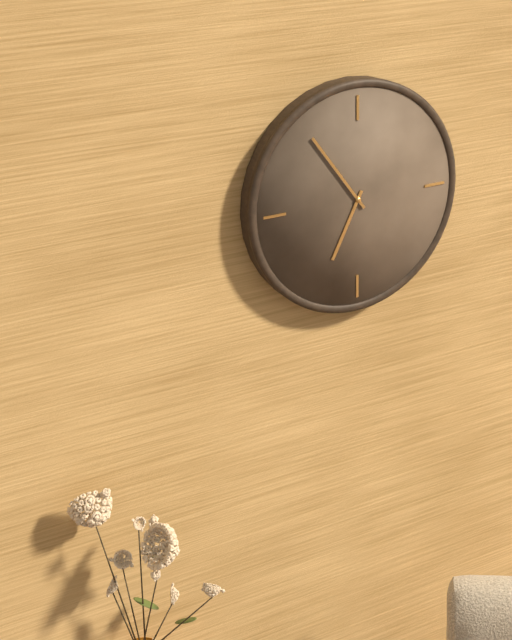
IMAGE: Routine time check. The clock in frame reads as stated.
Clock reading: 6:54
